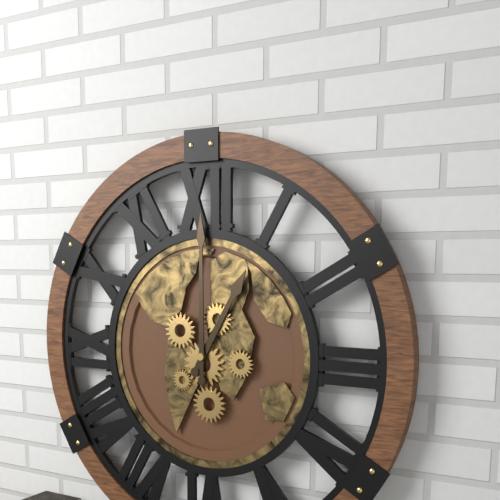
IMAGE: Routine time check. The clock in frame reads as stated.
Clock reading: 1:00
